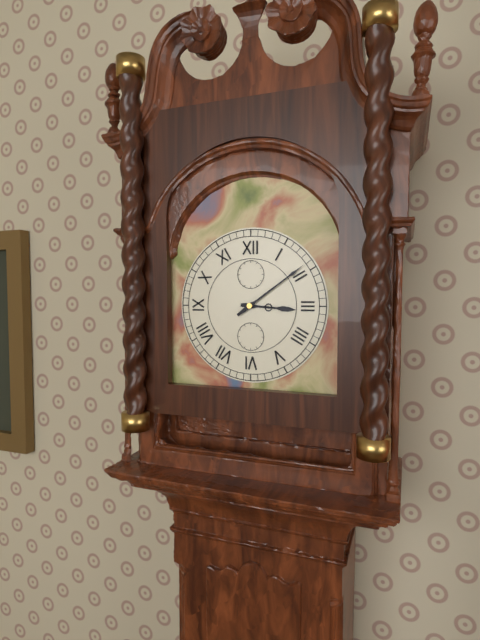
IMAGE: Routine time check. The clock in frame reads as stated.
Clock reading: 3:09
